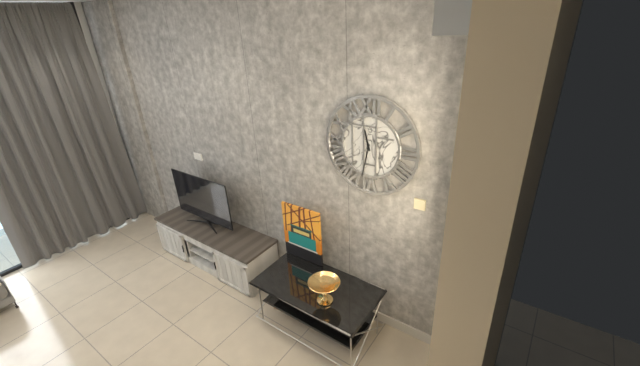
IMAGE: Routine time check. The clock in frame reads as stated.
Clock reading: 11:32
